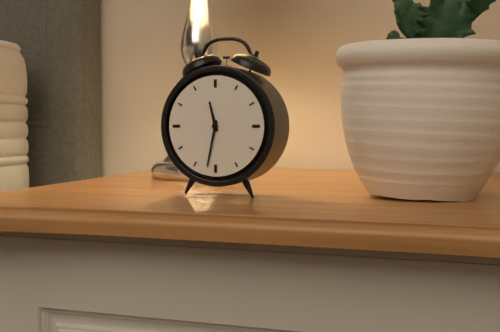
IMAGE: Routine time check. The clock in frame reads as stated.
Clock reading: 11:32
